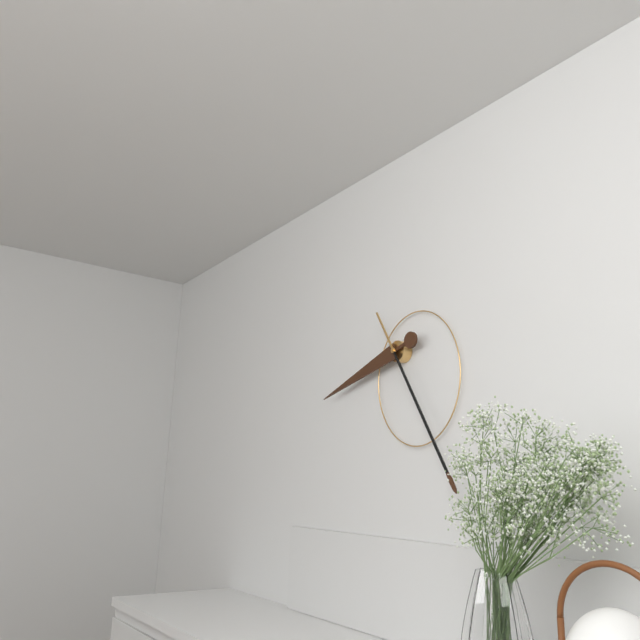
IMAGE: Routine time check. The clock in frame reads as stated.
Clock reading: 8:25
